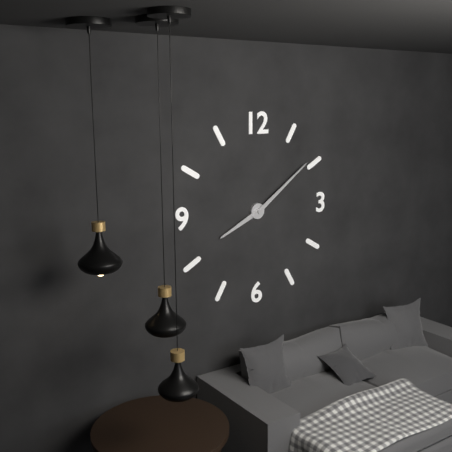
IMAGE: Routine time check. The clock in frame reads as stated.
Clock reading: 8:09
